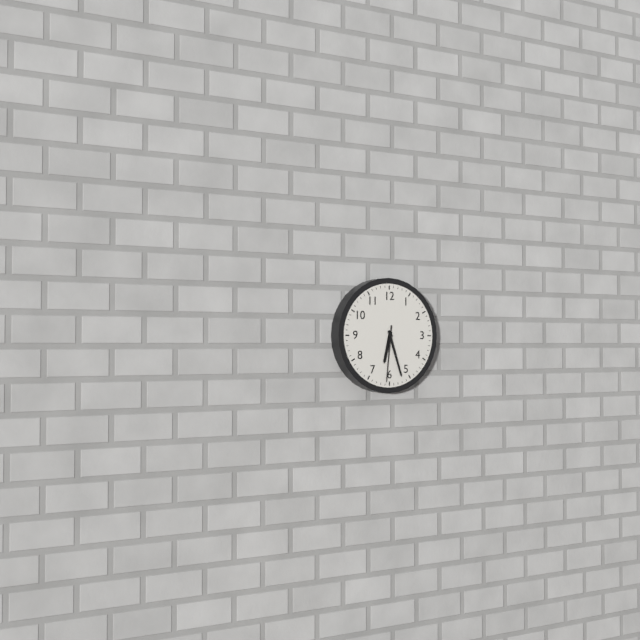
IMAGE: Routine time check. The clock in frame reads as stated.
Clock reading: 6:27:31
